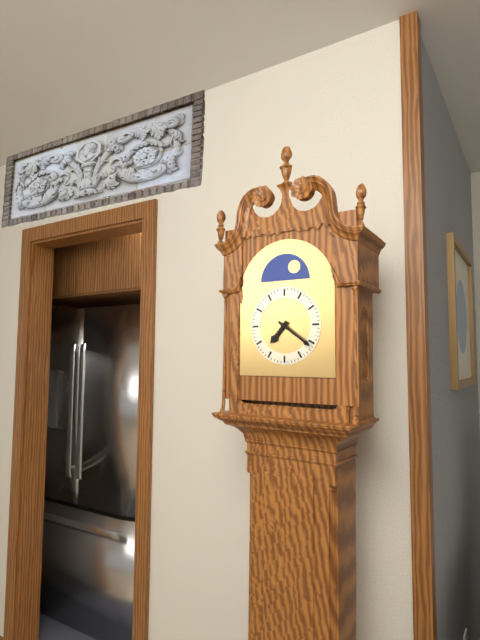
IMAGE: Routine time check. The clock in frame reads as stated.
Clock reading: 7:21
